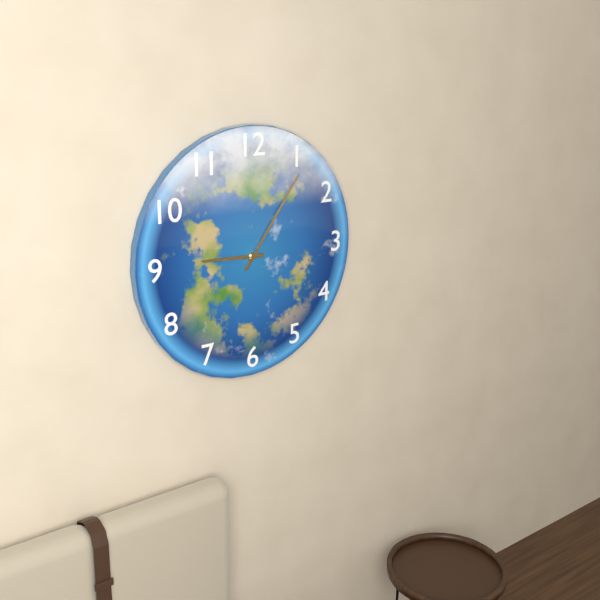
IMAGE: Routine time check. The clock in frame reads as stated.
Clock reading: 9:06
